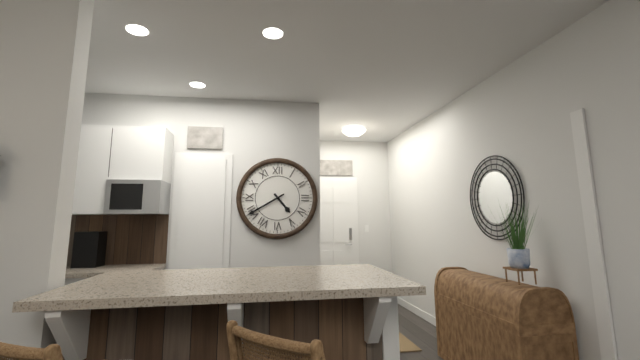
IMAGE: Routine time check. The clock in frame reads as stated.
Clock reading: 4:40
